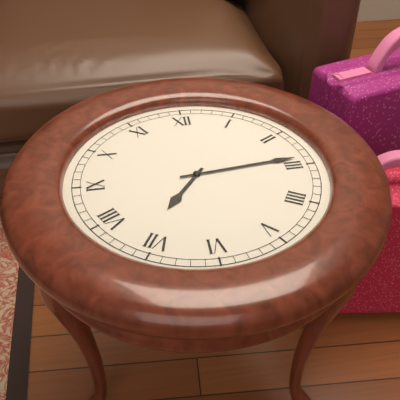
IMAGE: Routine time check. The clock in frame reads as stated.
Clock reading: 7:14
